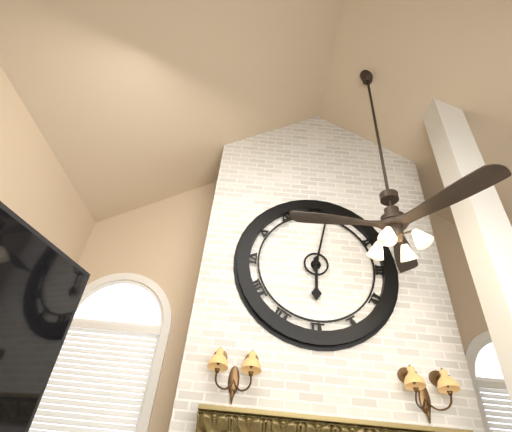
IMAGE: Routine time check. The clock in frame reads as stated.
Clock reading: 6:02
